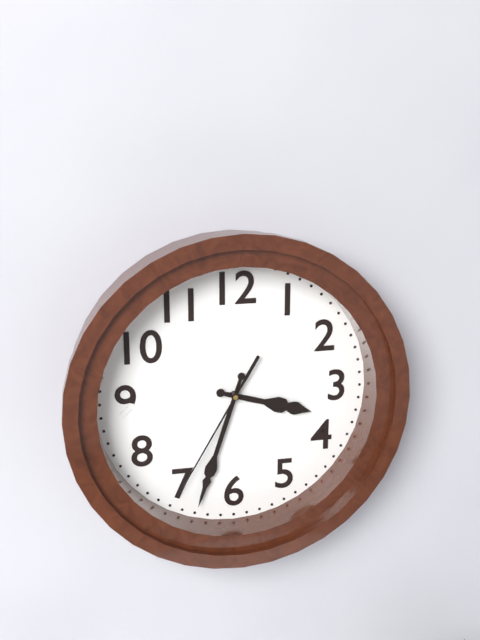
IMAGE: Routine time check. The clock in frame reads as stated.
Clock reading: 3:33:35
